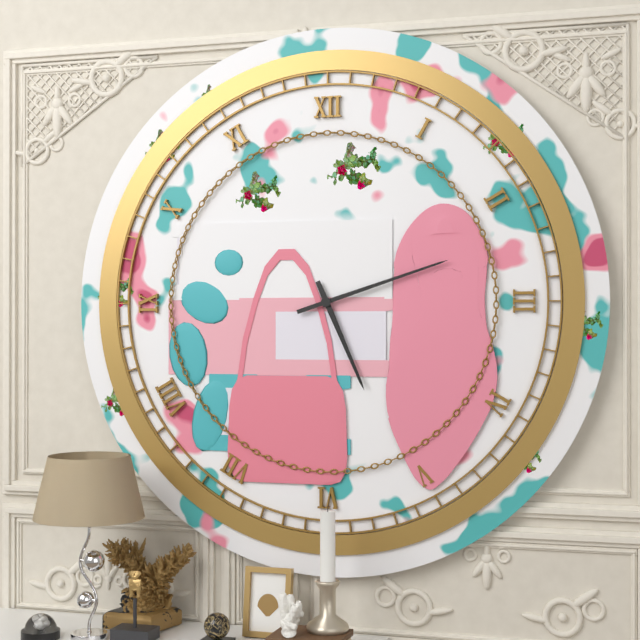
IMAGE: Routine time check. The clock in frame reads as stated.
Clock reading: 5:12
